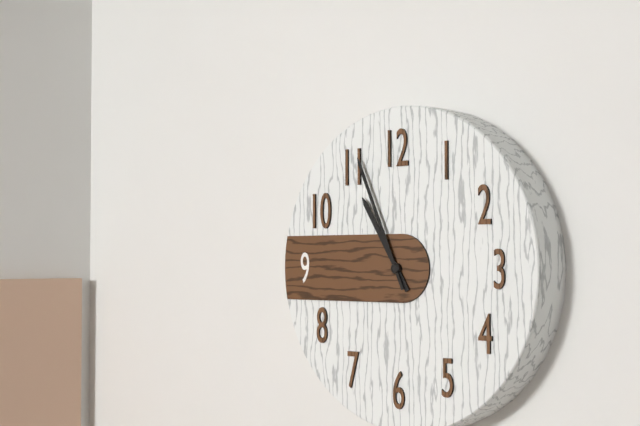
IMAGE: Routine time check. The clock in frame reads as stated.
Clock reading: 10:56
